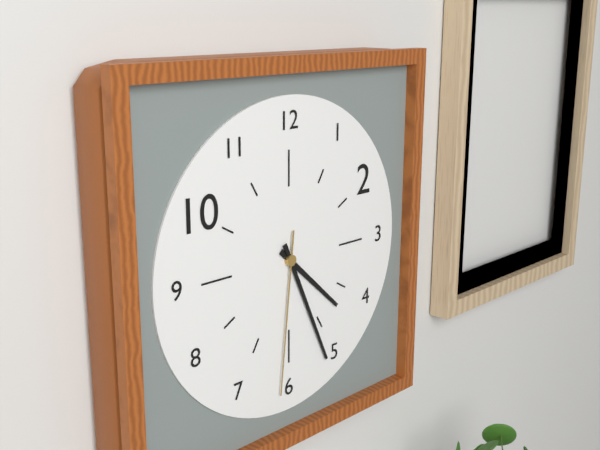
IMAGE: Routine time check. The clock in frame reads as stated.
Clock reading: 4:26:31
